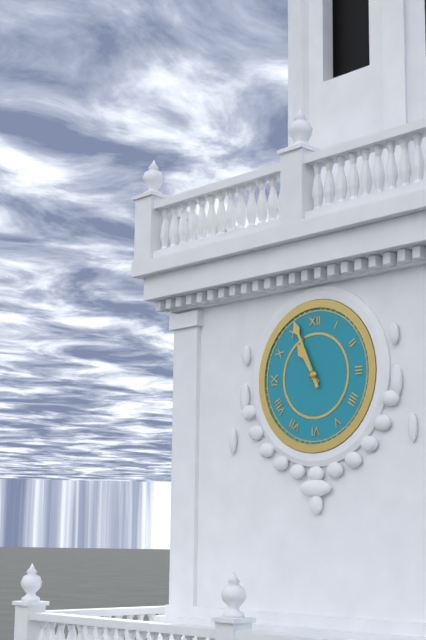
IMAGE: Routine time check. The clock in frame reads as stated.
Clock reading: 10:56
